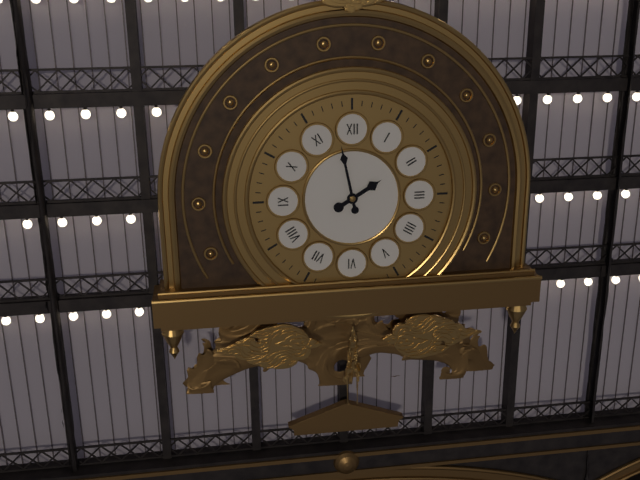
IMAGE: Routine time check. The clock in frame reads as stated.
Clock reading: 1:58
